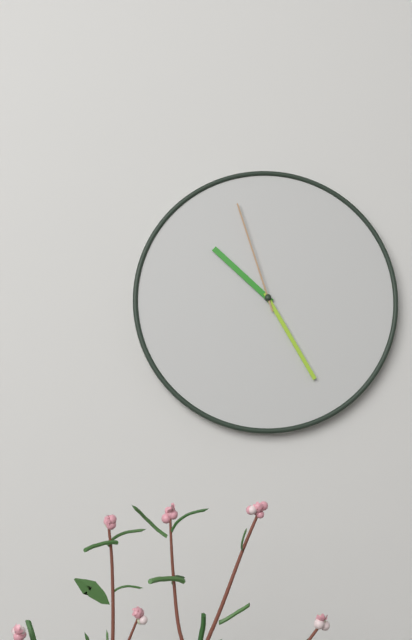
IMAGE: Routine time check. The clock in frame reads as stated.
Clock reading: 10:25:57
